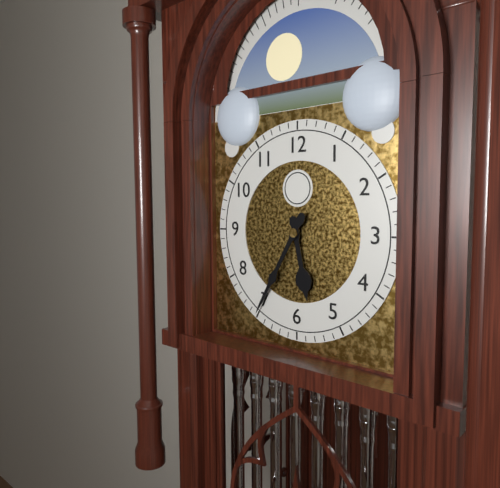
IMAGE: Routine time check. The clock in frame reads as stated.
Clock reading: 5:35
